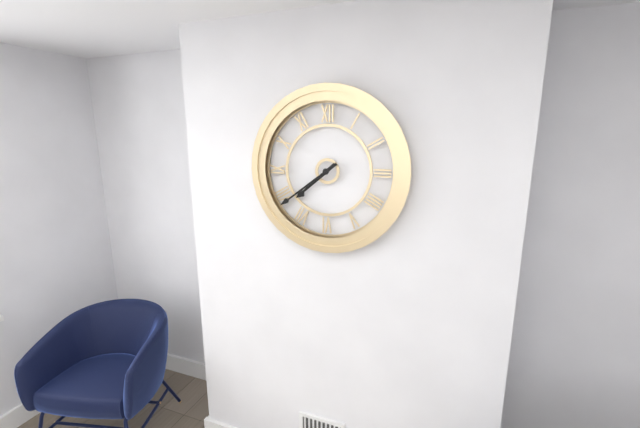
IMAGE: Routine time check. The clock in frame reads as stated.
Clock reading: 7:39
